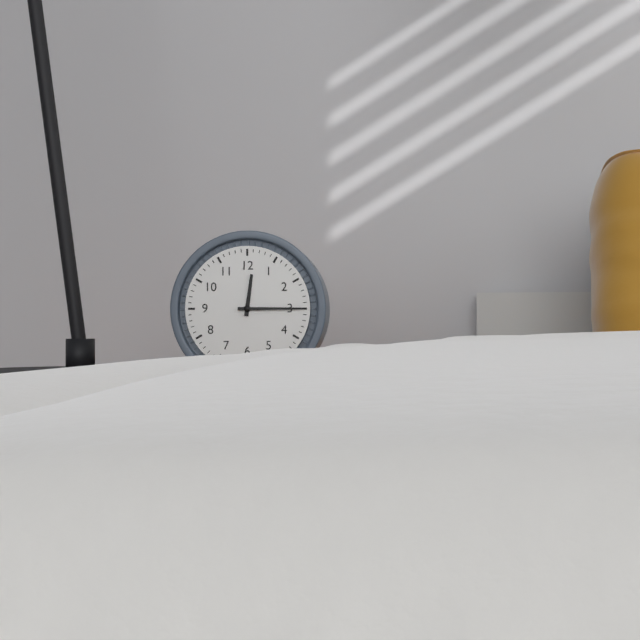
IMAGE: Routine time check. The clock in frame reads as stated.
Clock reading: 12:15
